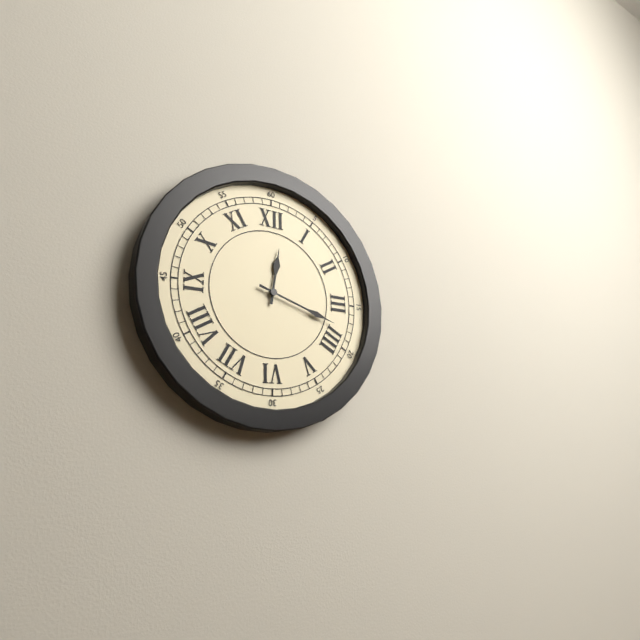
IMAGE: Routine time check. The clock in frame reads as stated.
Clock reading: 12:18
